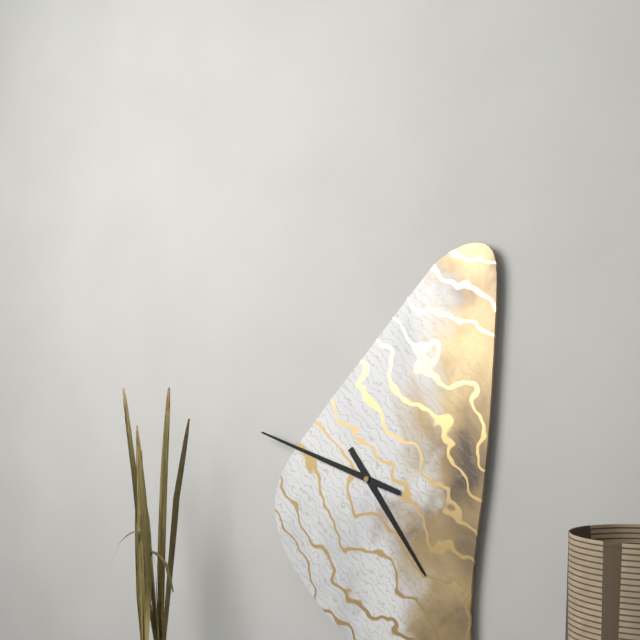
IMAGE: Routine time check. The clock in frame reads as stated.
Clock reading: 4:48
